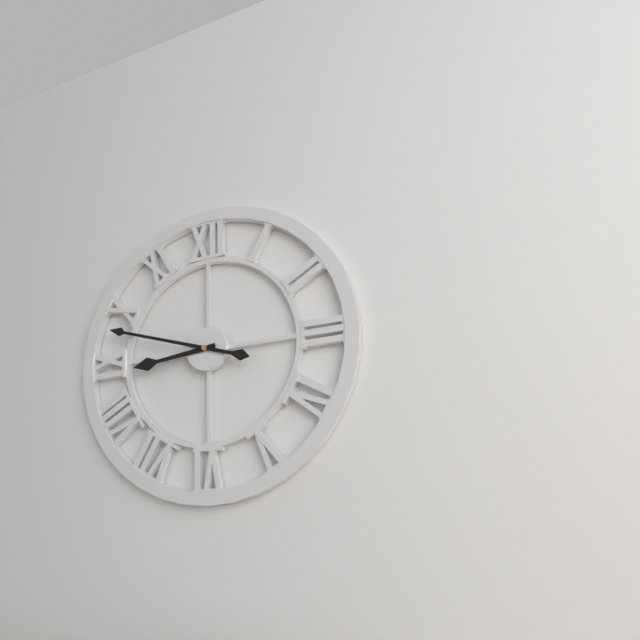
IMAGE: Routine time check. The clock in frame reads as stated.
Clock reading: 8:48
